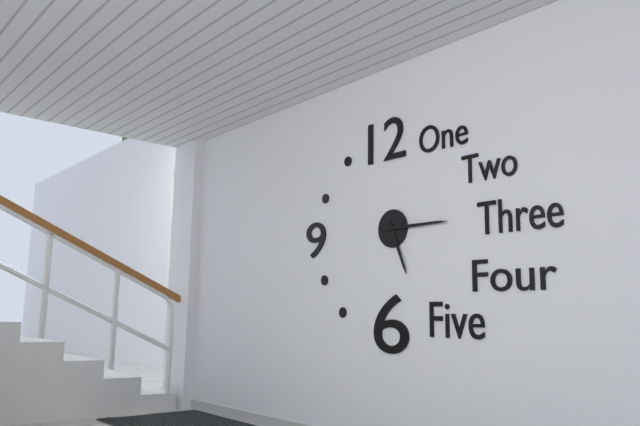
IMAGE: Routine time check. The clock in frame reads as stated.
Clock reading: 5:15
